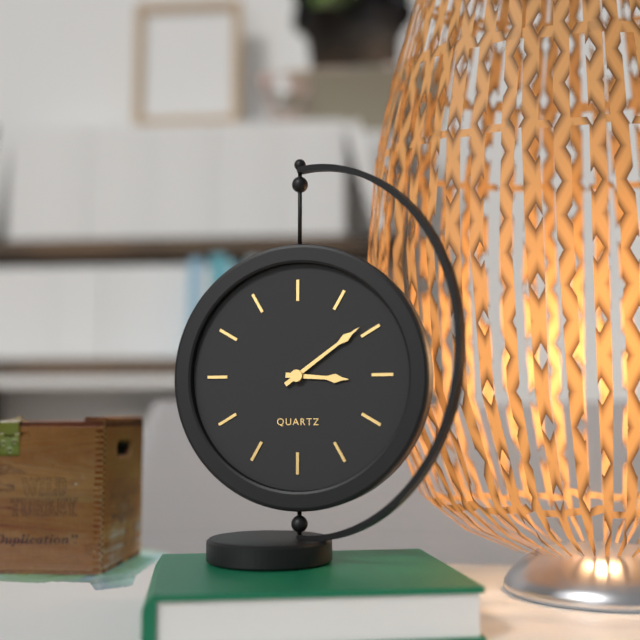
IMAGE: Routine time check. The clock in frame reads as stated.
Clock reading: 3:09
